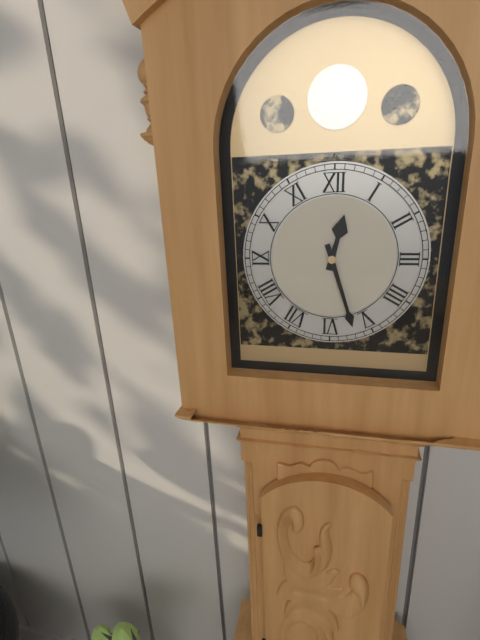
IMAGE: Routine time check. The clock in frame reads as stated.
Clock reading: 12:27
